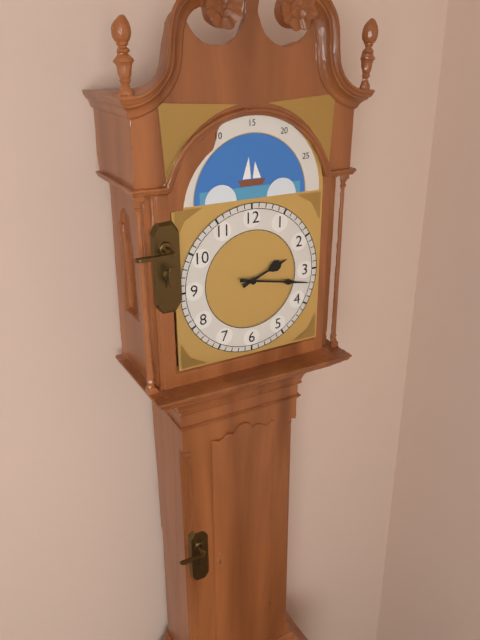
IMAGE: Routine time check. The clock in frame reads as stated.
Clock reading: 2:17
